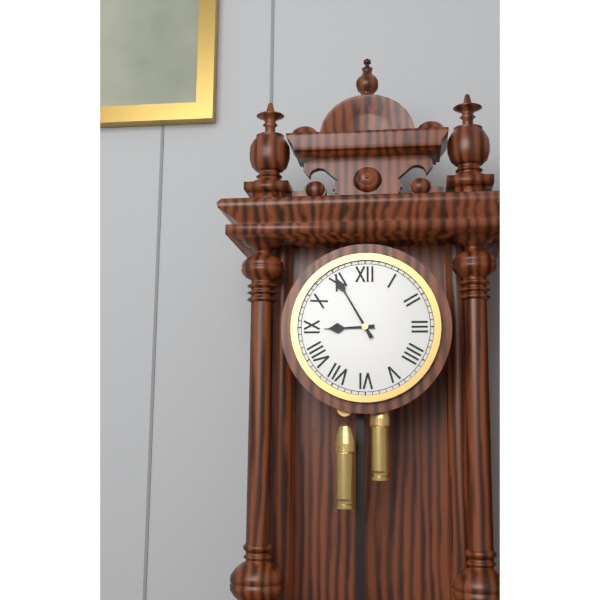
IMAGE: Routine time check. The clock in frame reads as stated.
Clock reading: 8:55
